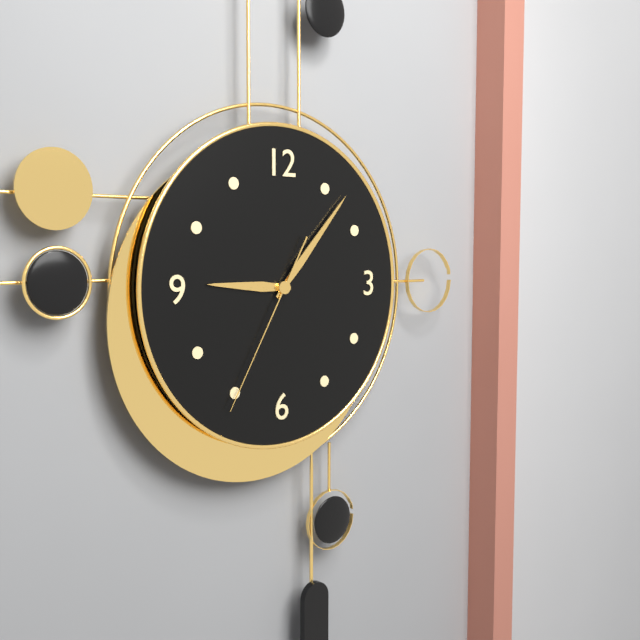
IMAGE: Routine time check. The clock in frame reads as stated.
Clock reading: 9:07:35
